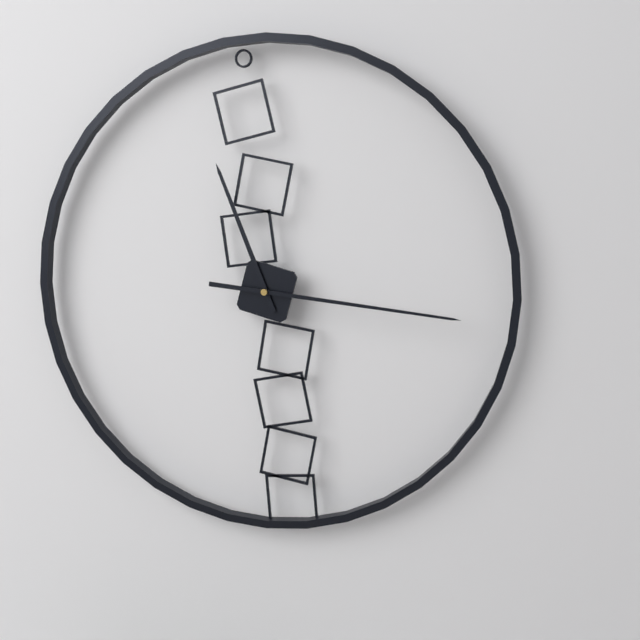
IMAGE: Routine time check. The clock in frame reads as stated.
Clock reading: 11:16
